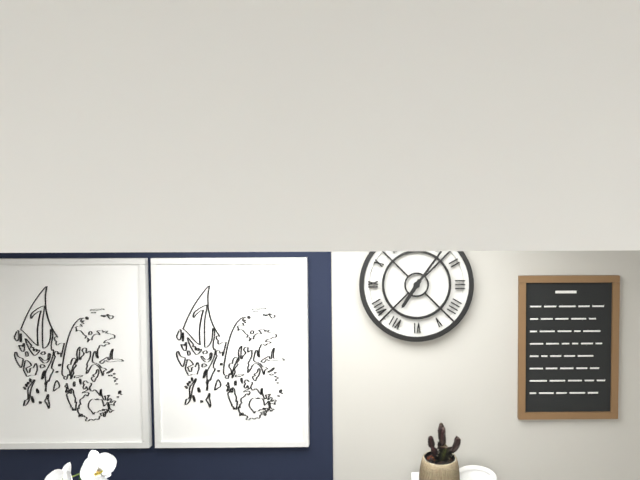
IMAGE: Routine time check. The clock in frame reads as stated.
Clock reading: 7:06
